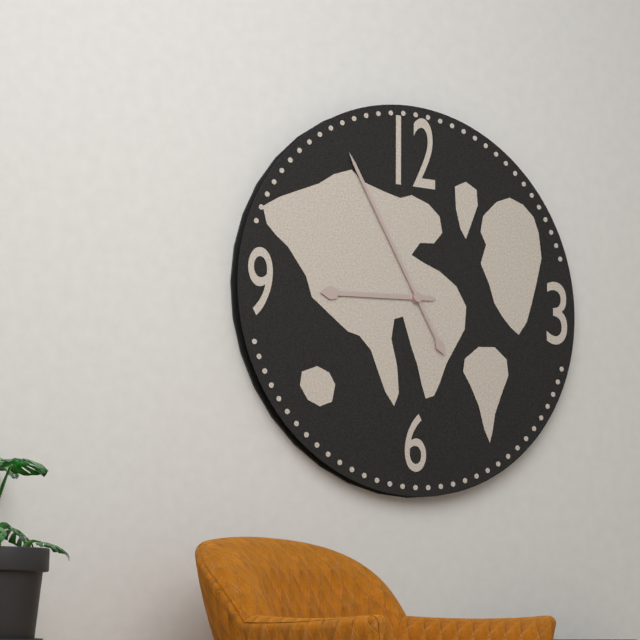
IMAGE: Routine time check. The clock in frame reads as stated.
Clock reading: 8:55
